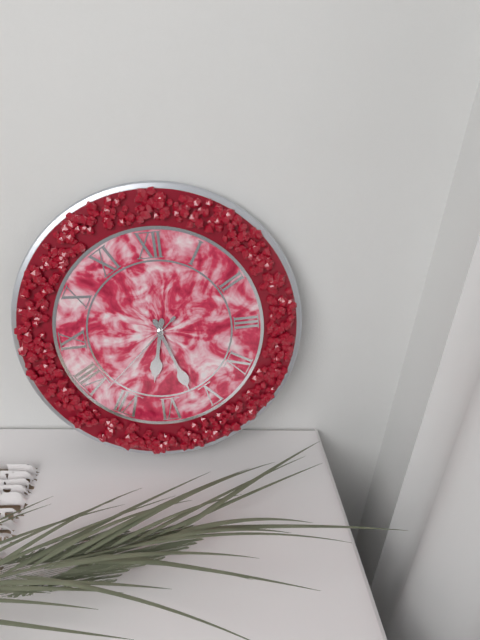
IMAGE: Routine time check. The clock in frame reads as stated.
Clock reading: 6:27:38
